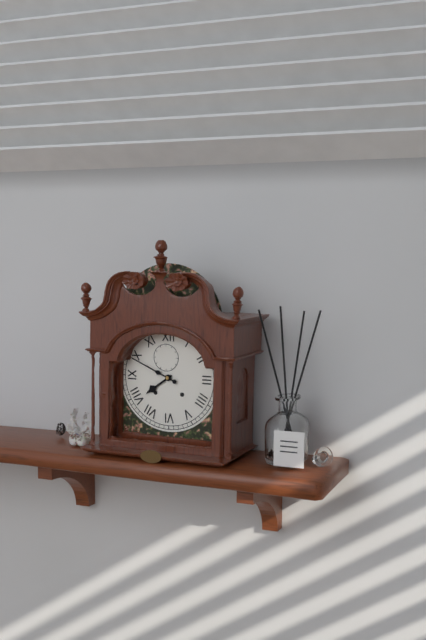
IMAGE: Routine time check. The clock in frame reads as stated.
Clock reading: 7:49
